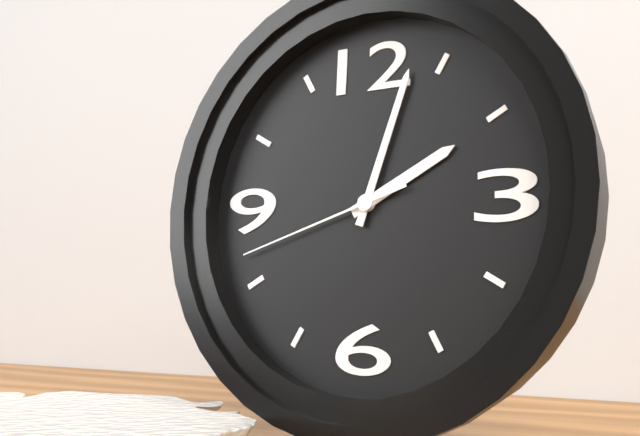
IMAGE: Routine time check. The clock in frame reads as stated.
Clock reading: 2:03:42
